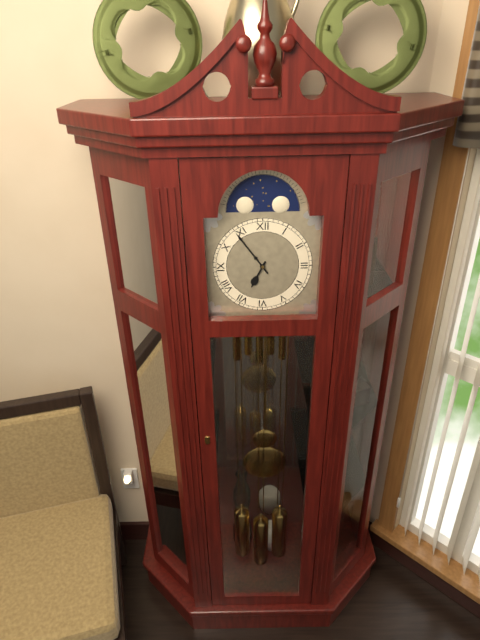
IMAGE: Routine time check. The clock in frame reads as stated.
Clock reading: 6:54
